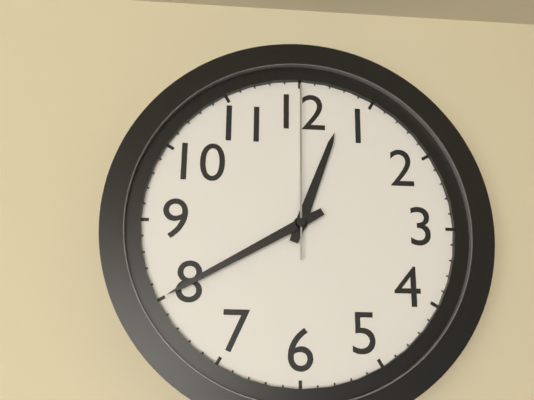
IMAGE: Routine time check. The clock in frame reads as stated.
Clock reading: 12:40:00
